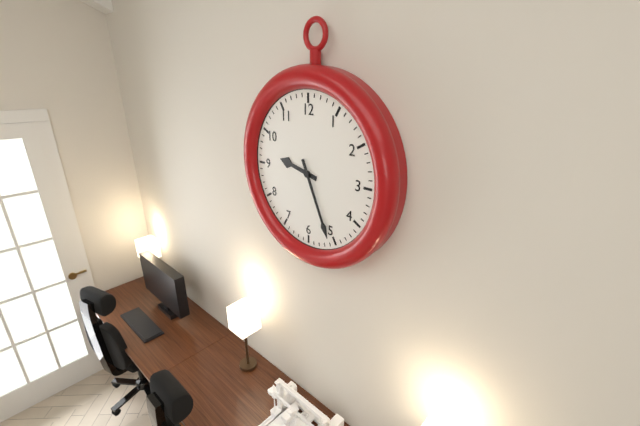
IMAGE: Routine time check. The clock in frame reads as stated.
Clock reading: 9:26
